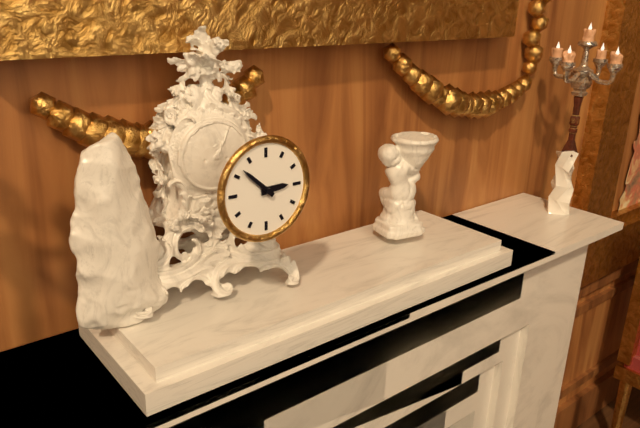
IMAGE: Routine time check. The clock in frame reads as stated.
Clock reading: 2:52
